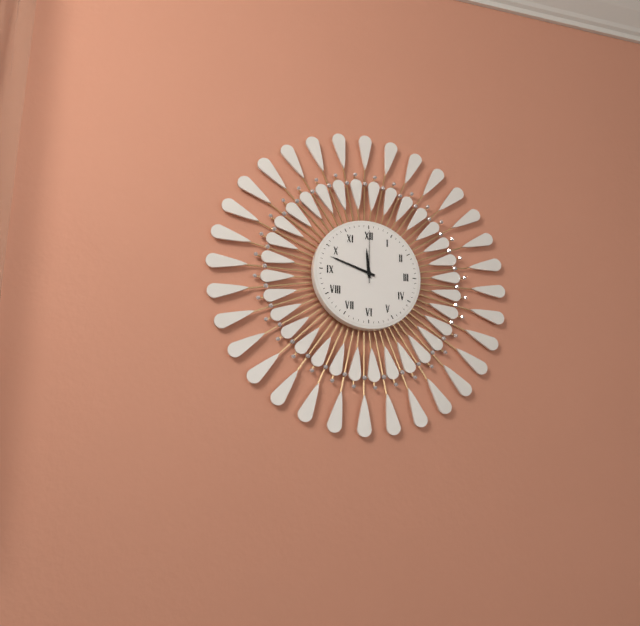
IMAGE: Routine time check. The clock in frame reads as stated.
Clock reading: 11:48:00
